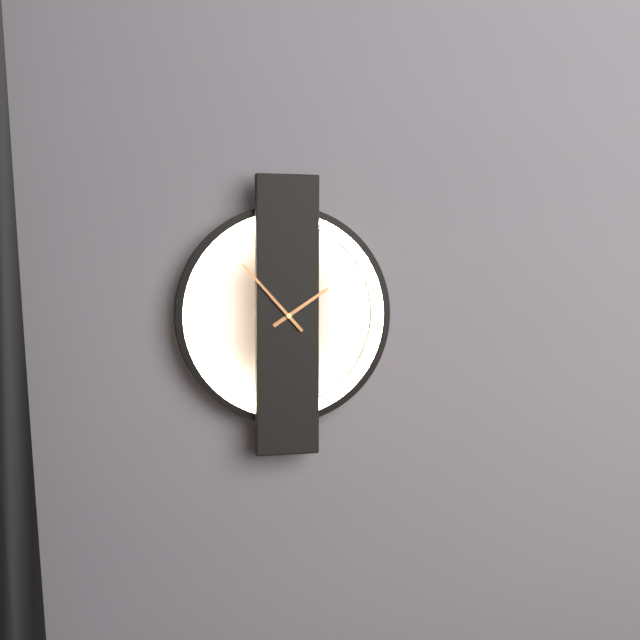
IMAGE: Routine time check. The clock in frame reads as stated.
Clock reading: 1:53
